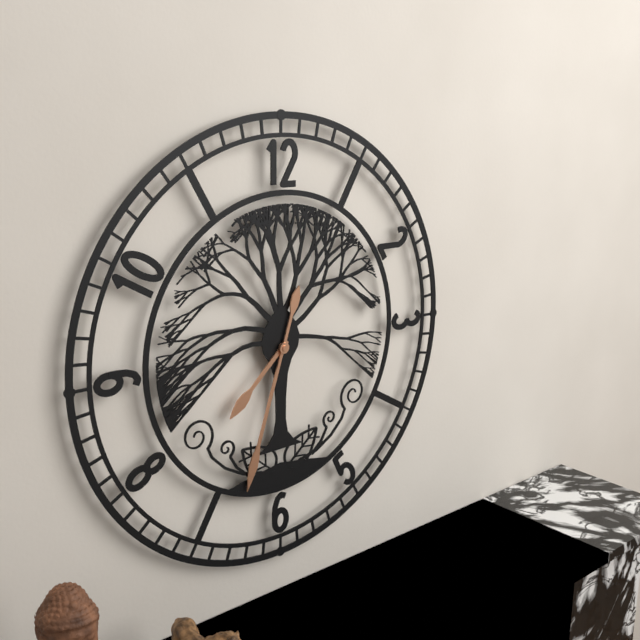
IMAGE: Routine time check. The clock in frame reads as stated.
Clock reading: 7:33
